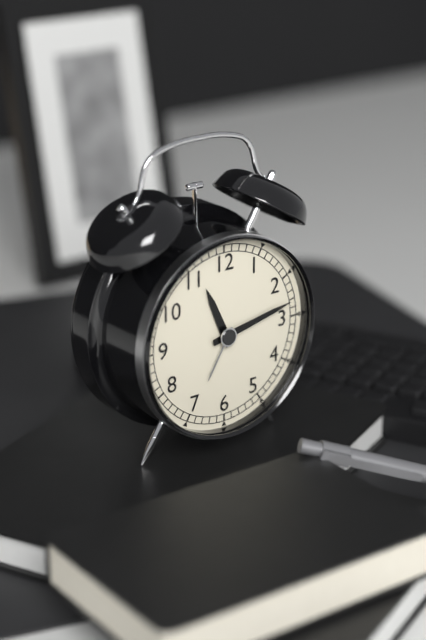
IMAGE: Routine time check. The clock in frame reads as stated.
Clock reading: 11:13
